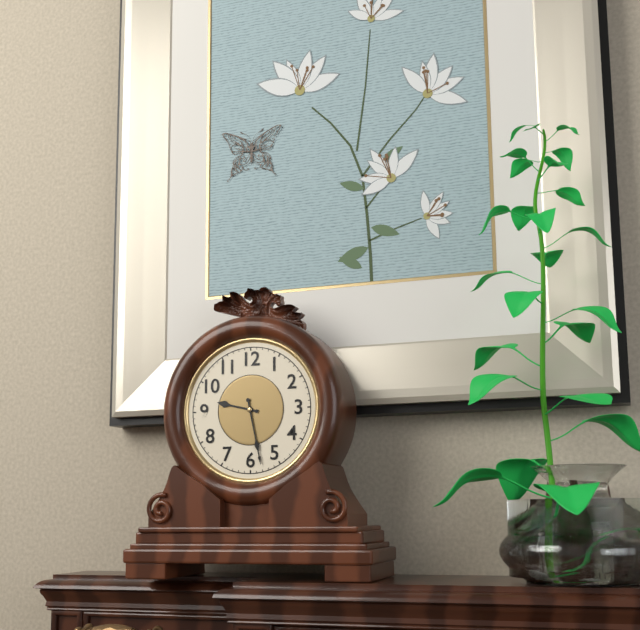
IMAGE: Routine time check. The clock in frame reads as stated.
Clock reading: 9:28
